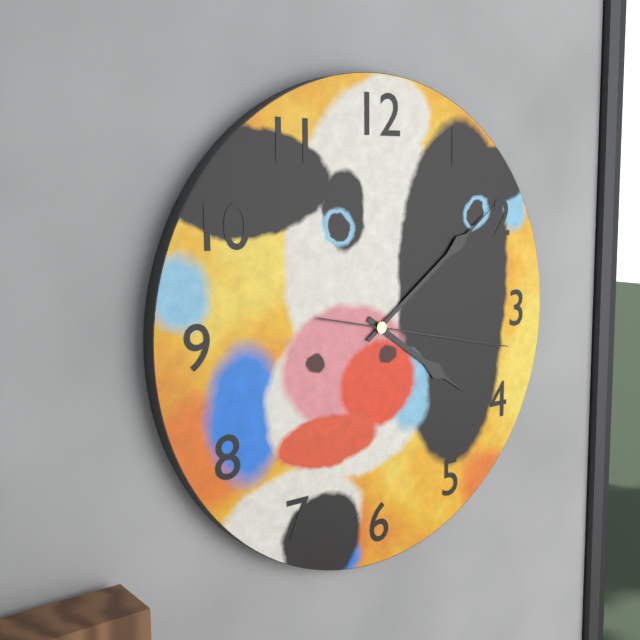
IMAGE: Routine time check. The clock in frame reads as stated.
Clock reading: 4:09:17
